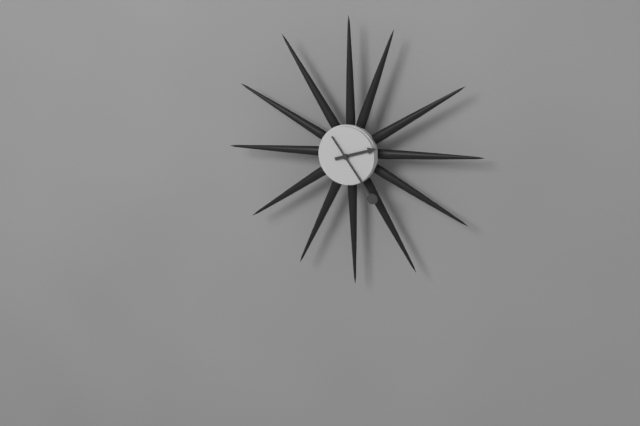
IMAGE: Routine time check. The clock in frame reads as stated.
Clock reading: 2:24
